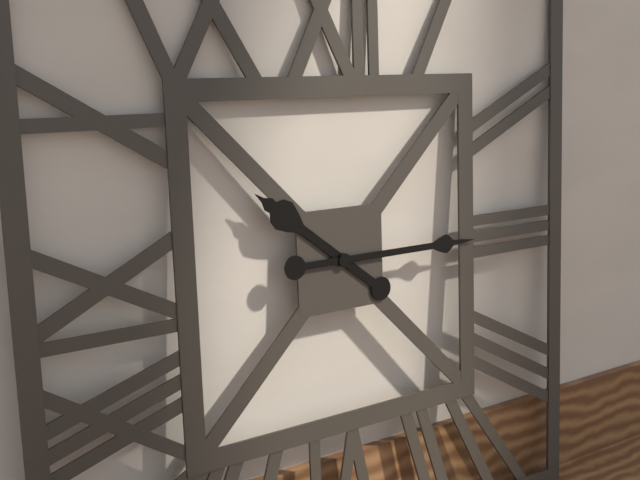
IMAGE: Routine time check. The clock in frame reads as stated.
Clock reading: 10:15
